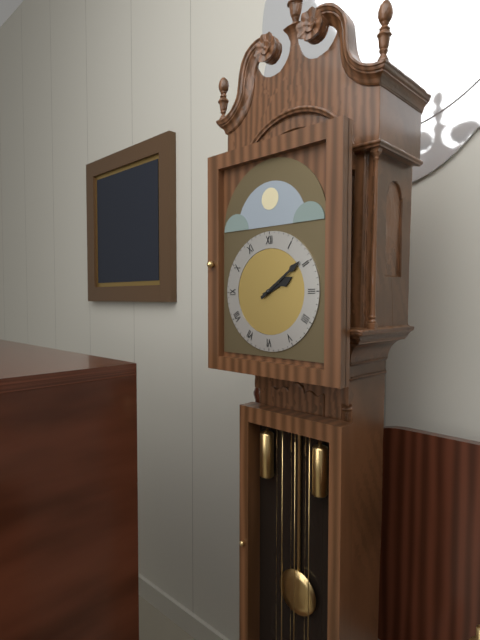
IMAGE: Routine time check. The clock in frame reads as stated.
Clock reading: 2:09
